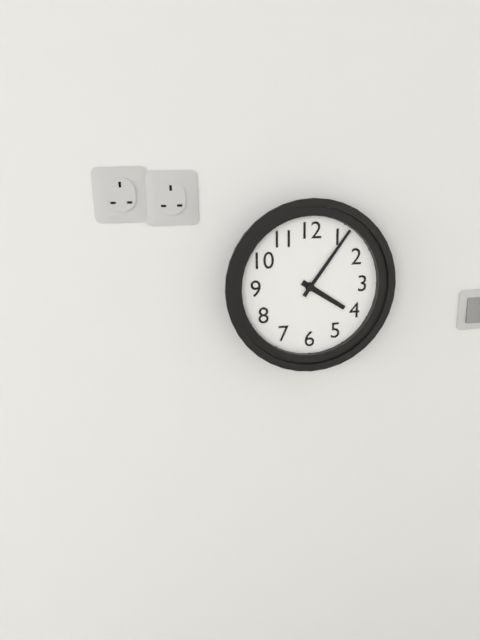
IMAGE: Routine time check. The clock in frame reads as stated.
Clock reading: 4:06
